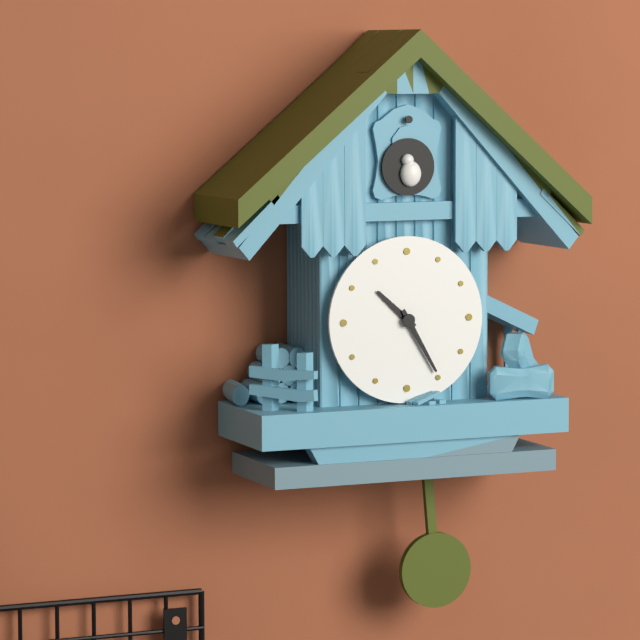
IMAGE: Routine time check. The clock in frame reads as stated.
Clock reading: 10:25
